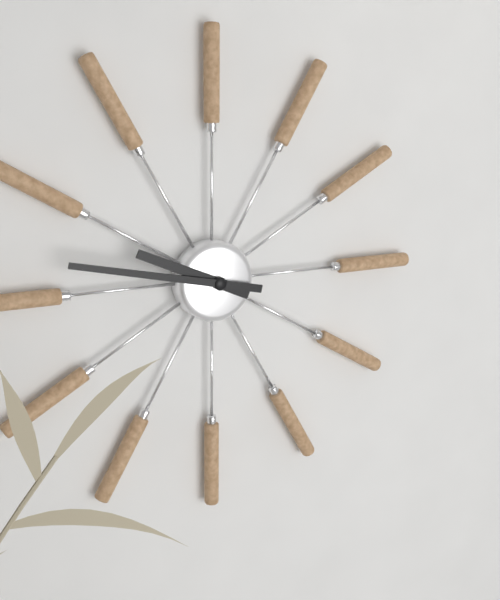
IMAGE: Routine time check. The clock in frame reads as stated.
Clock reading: 9:47
